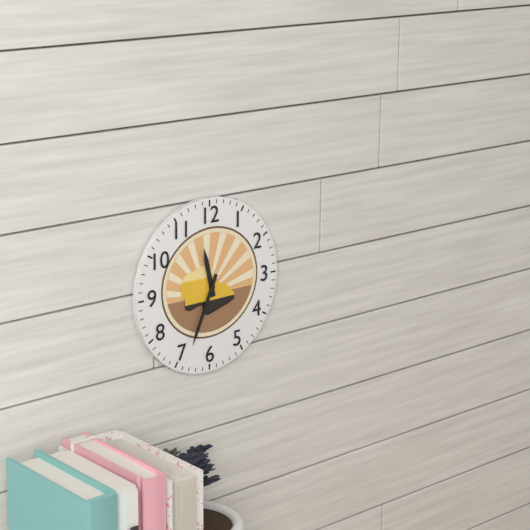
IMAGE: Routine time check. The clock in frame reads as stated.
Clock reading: 11:34
